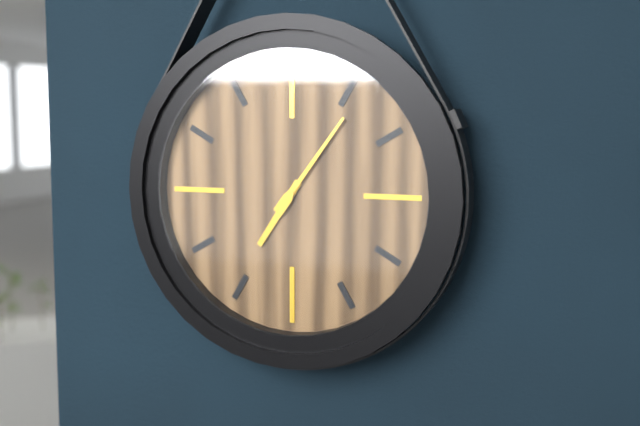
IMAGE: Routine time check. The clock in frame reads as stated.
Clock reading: 7:06
